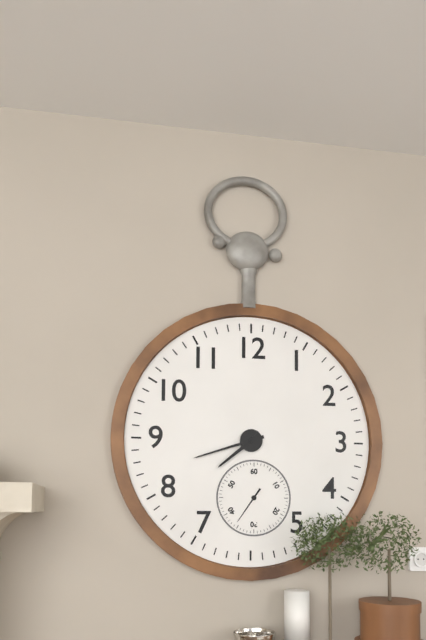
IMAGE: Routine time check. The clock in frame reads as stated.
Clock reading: 7:42
